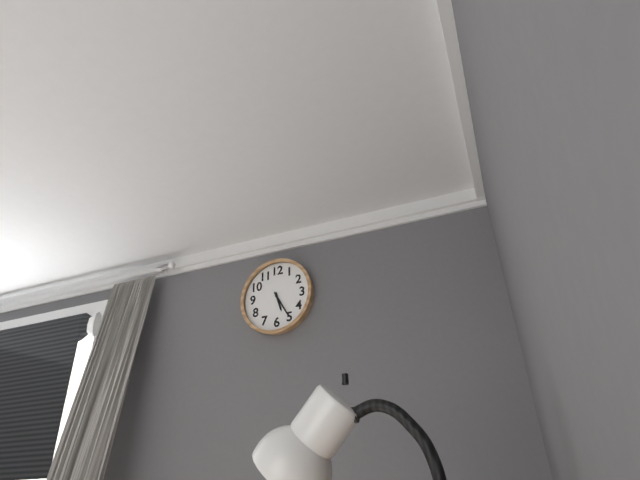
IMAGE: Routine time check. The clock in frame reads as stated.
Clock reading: 5:25
